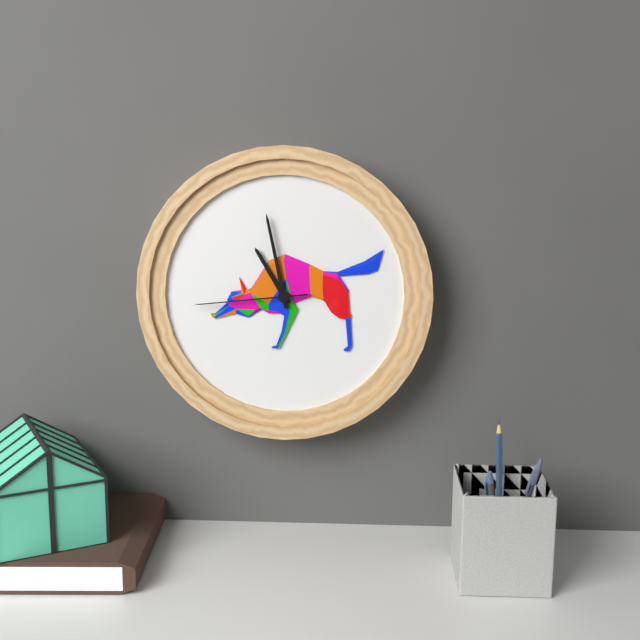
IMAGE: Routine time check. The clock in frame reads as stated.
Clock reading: 10:58:44
